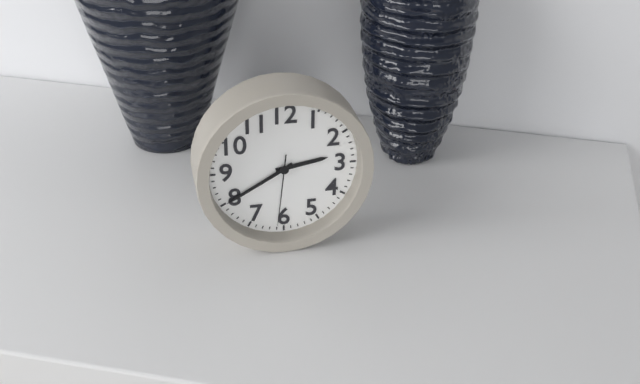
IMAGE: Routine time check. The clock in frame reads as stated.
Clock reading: 2:40:31
